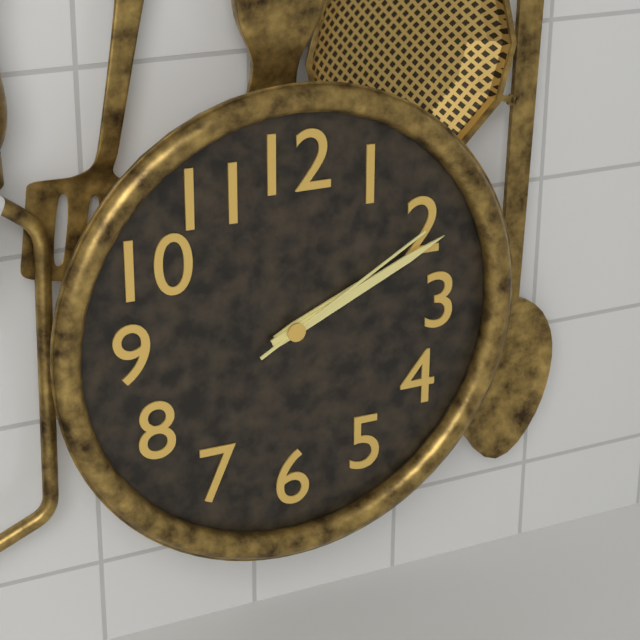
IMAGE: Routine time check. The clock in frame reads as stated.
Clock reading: 2:11:10
